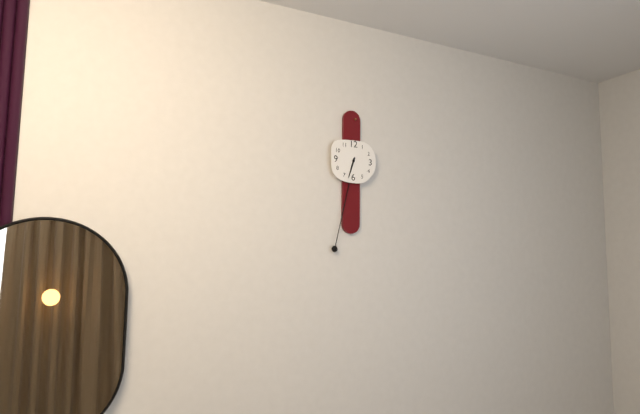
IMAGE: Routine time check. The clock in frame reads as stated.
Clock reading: 6:33
